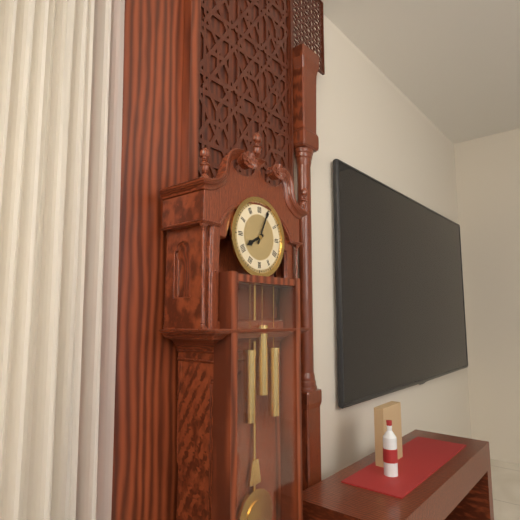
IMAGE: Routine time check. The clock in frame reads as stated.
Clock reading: 8:04
